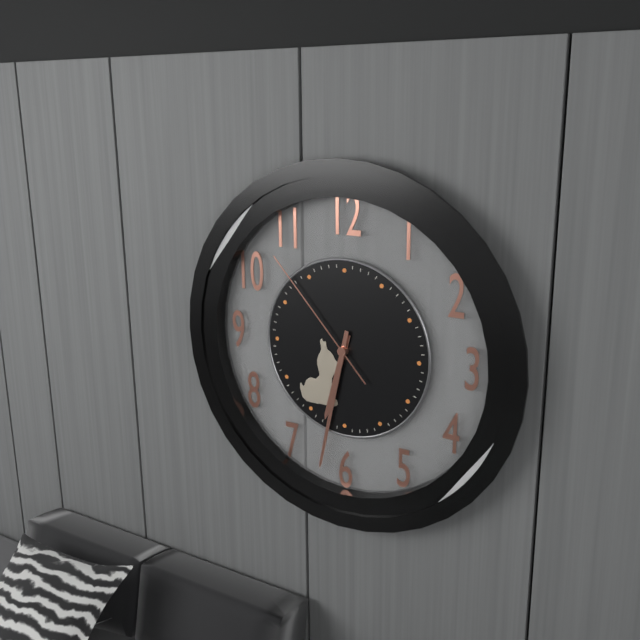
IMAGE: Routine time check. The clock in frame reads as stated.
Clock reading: 6:32:53
